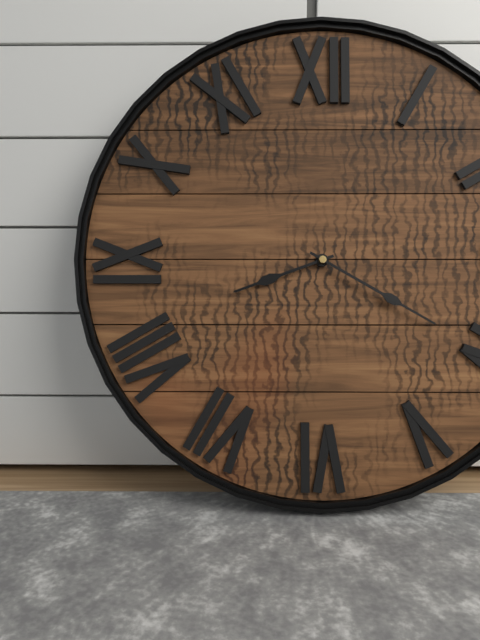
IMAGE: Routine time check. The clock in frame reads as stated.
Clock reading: 8:20
